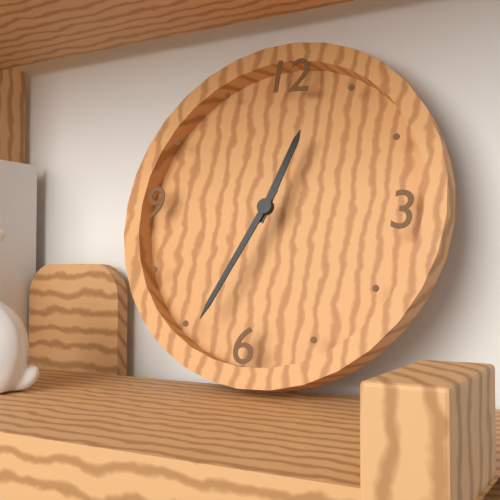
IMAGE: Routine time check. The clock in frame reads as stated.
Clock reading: 12:34
